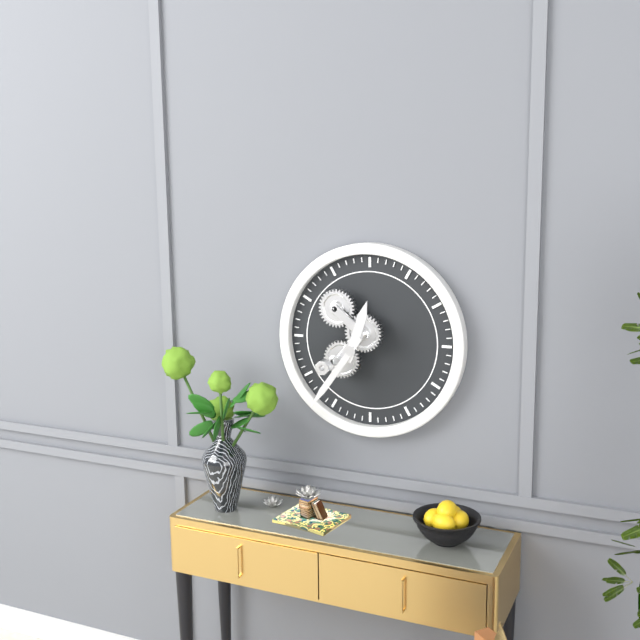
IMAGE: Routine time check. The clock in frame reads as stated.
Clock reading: 12:36
